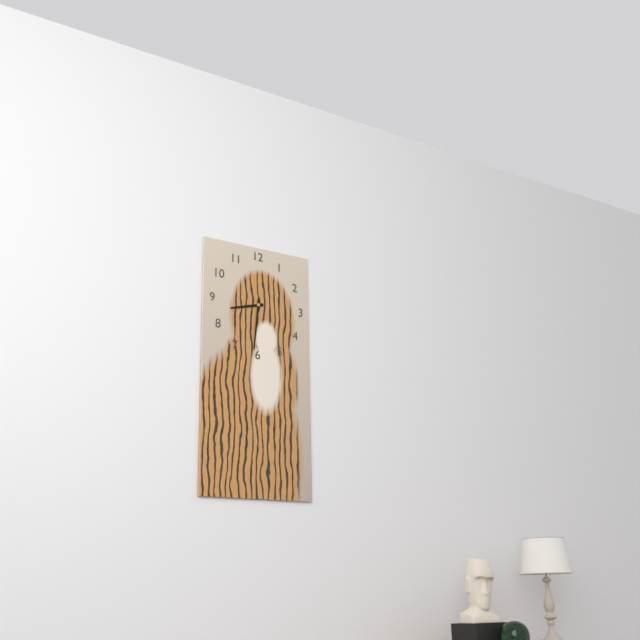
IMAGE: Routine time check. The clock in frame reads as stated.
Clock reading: 8:31
